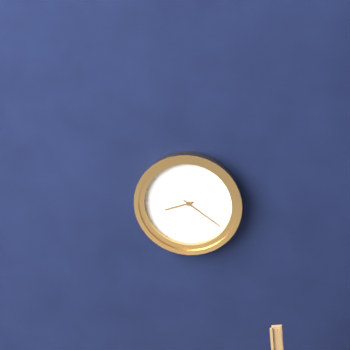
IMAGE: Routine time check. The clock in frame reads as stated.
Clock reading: 8:21
